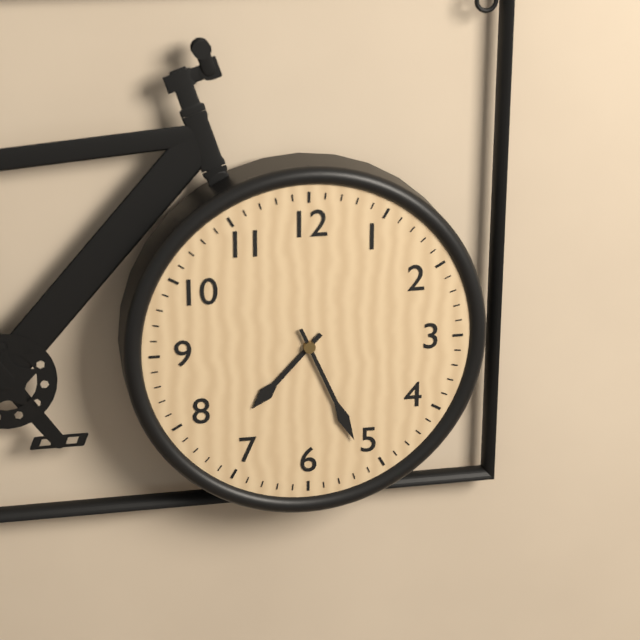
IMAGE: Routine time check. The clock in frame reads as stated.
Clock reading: 7:26
